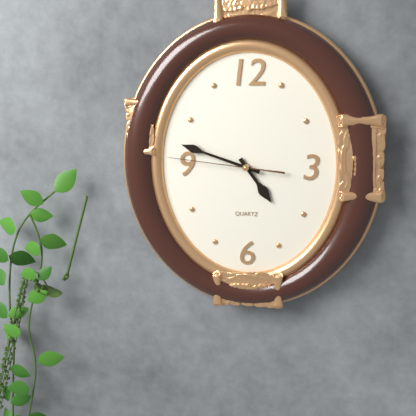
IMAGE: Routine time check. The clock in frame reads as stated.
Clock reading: 4:48:46
